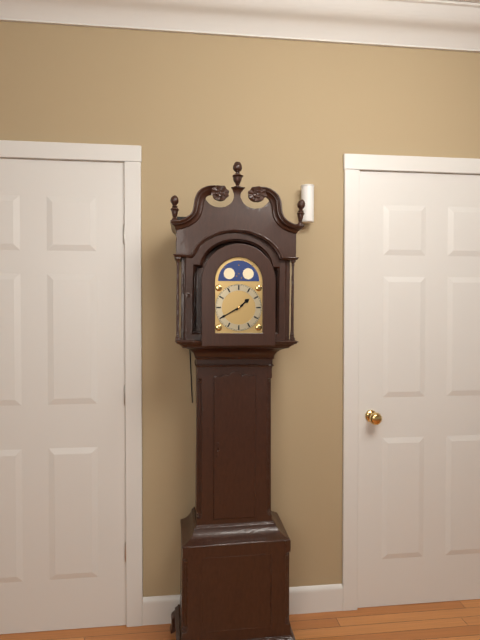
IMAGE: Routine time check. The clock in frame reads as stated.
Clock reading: 1:40
